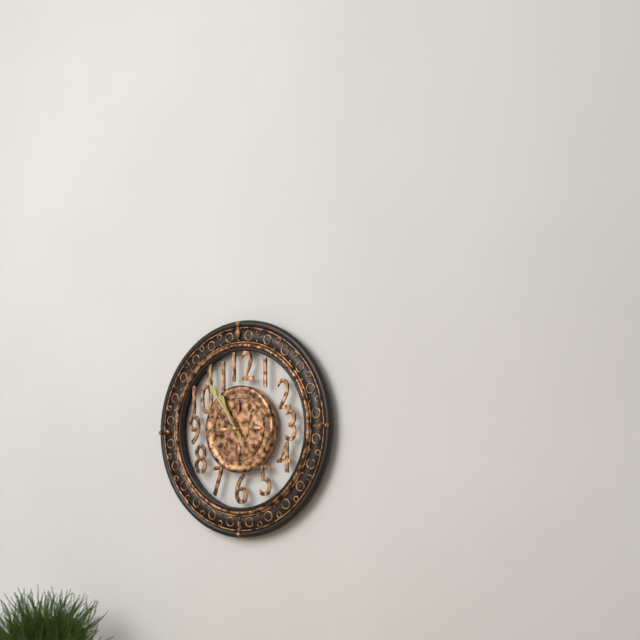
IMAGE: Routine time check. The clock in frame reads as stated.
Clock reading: 10:54:55
